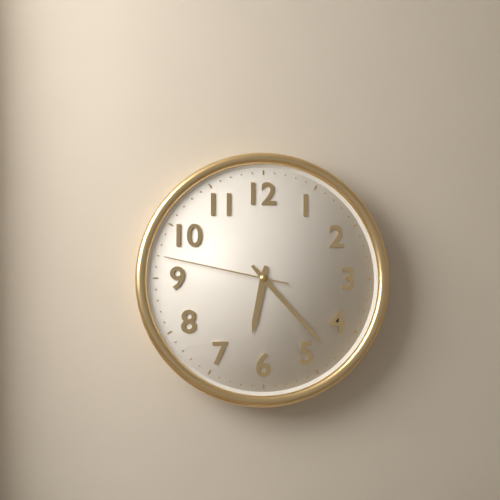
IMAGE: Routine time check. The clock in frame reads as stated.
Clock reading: 6:23:47
